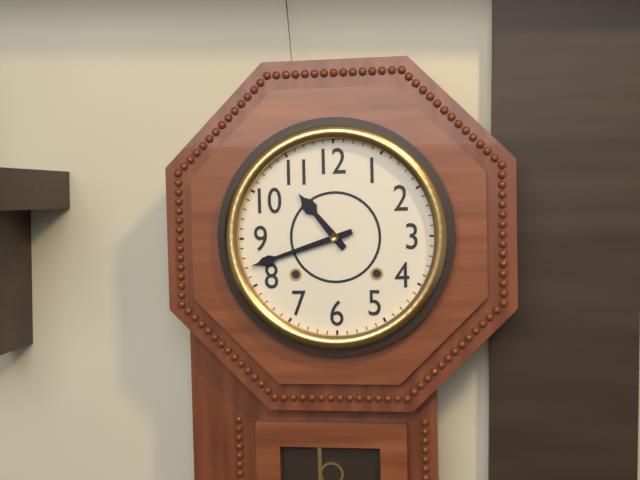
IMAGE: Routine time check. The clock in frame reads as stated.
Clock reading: 10:42
